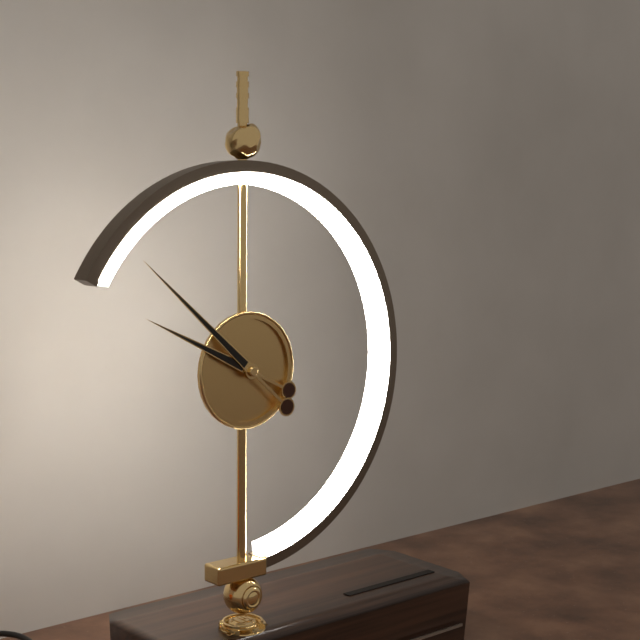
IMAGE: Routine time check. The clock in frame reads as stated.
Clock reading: 9:52
